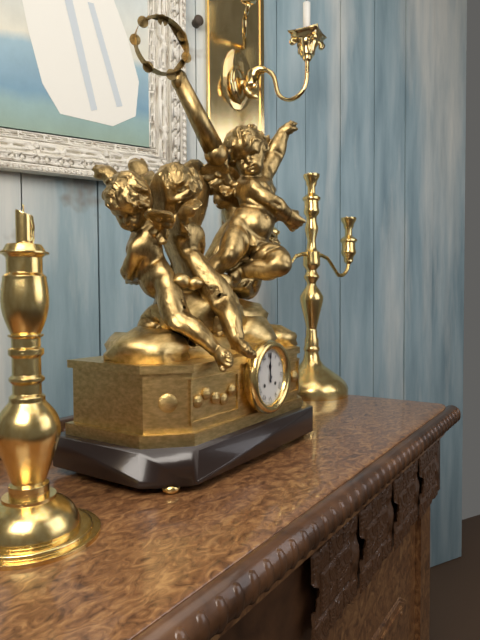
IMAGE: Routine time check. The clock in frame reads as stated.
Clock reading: 12:00
